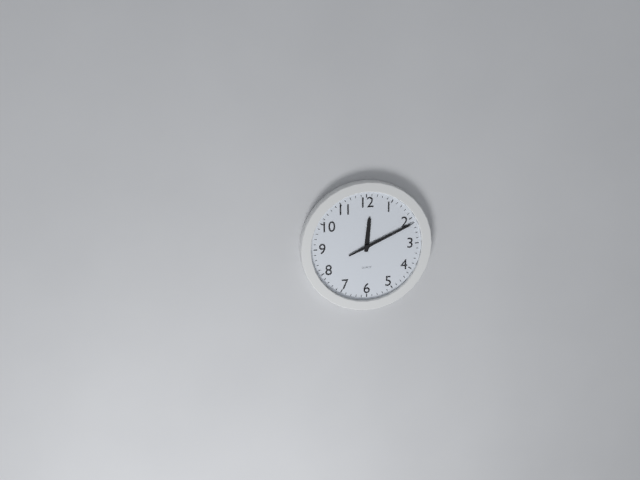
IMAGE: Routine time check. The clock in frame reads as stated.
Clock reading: 12:11
